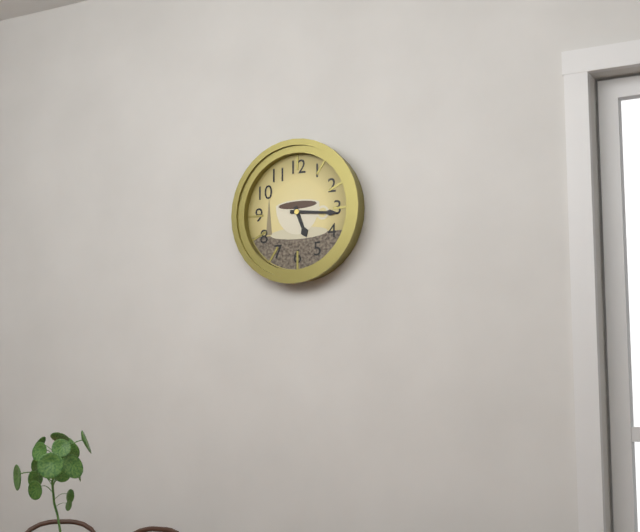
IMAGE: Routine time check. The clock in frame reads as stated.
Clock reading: 5:16
